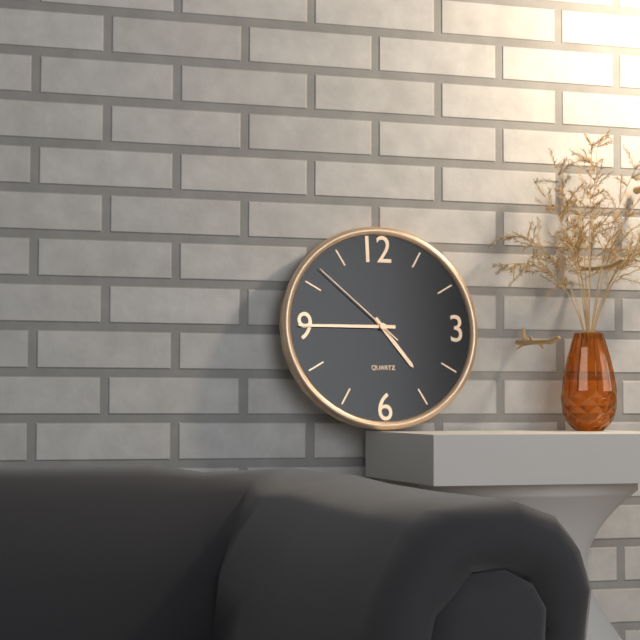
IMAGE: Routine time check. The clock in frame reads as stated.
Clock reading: 4:45:52
